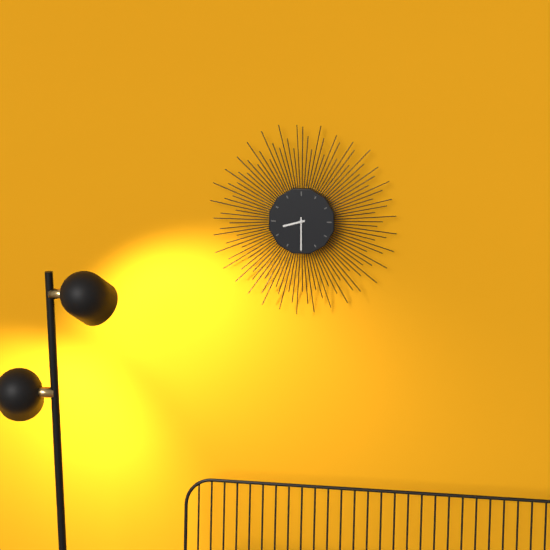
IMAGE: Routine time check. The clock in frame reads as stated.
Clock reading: 8:30
